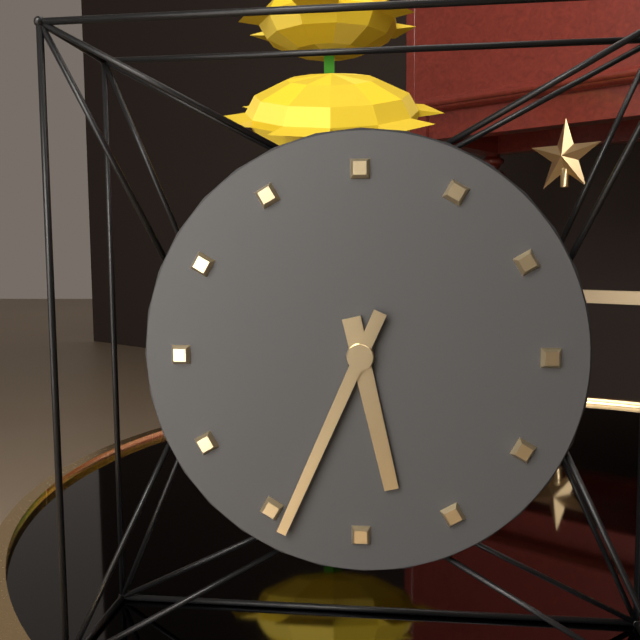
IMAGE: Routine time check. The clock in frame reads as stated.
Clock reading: 5:34
